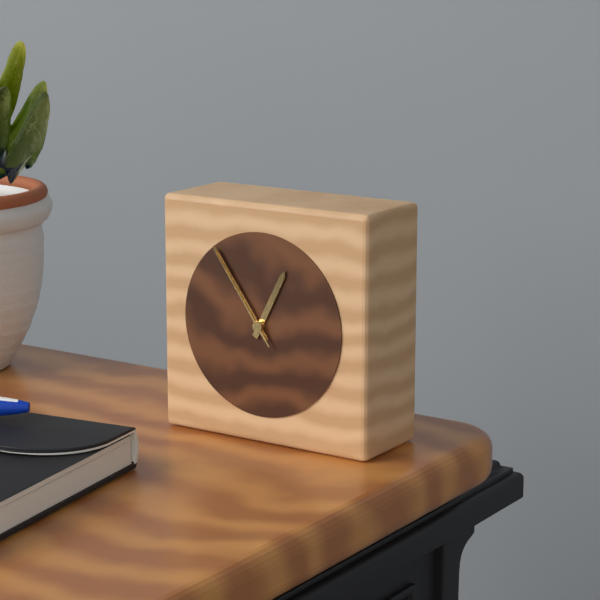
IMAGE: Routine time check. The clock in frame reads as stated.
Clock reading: 12:54:54
